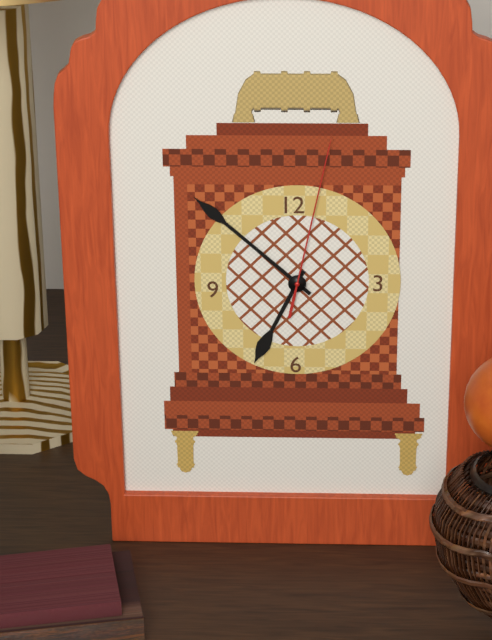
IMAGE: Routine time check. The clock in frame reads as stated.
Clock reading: 6:52:02
